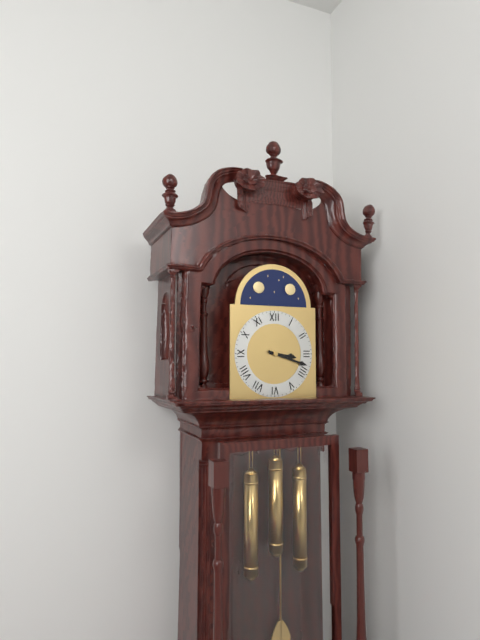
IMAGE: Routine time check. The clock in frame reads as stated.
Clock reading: 3:18
